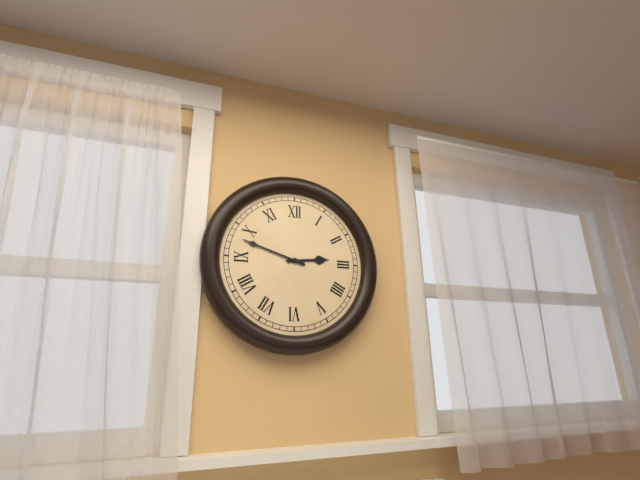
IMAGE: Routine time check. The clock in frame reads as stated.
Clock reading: 2:48
